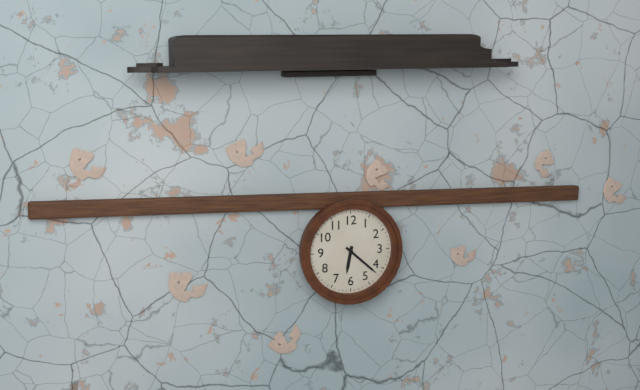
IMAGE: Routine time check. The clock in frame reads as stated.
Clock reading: 6:22
